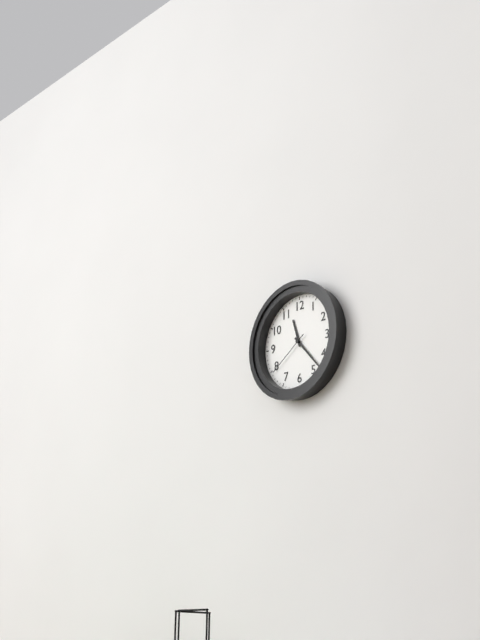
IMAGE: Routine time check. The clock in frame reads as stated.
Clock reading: 11:23:39
